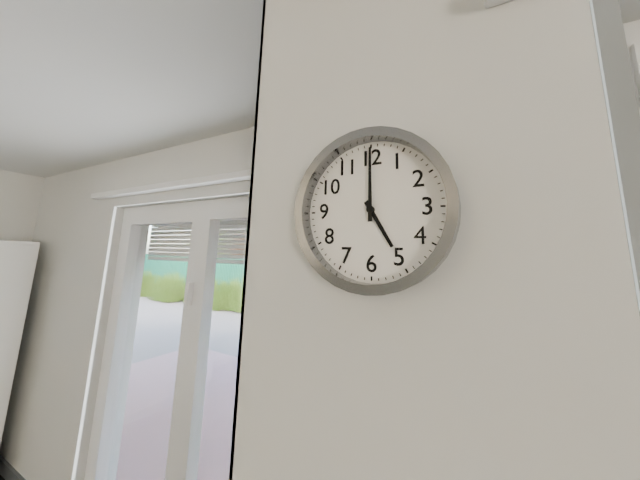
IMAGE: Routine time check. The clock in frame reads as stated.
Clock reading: 5:00
